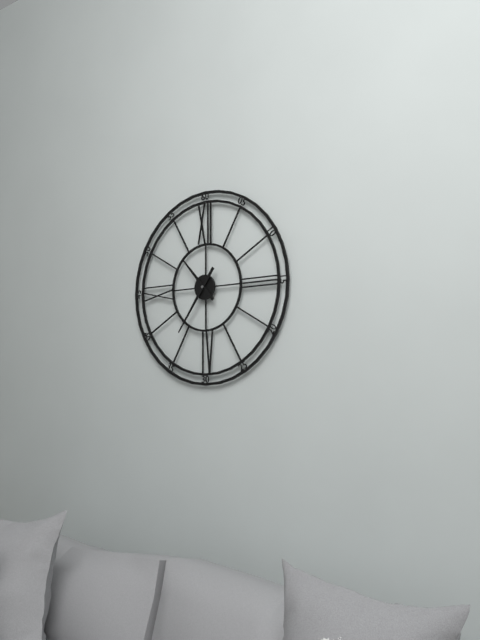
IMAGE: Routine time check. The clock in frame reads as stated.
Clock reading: 10:36
